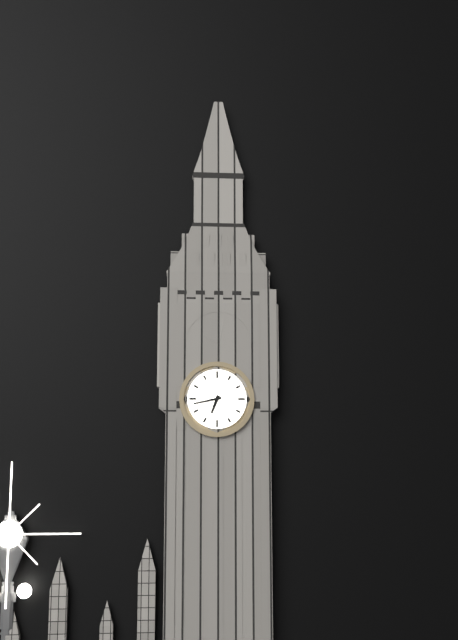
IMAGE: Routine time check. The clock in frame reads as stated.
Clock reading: 6:43
